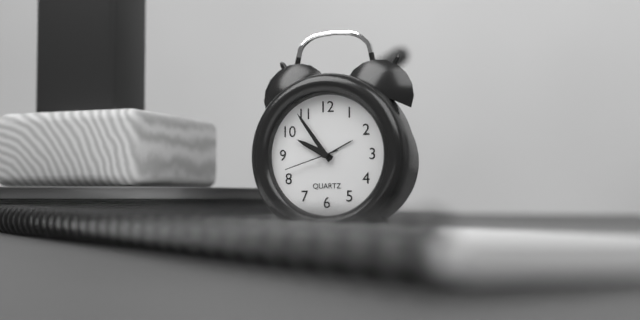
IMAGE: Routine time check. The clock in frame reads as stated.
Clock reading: 9:54:42
